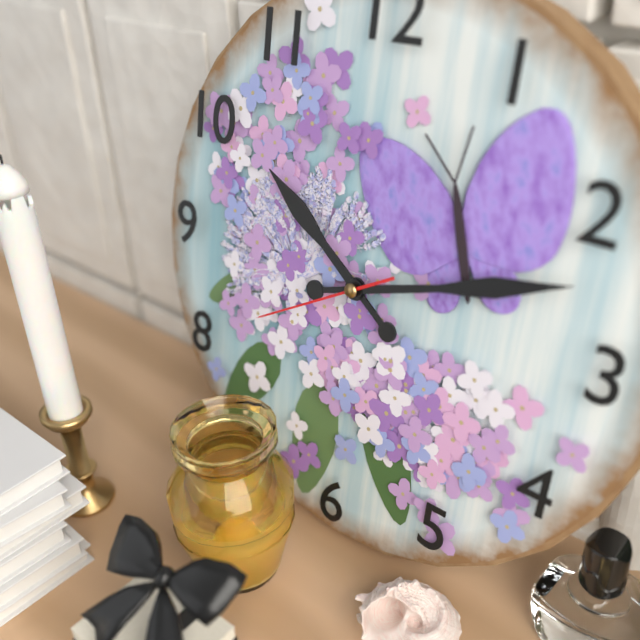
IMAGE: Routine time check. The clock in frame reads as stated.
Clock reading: 10:12:40
